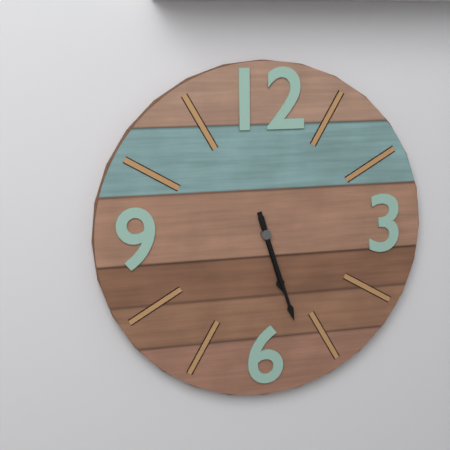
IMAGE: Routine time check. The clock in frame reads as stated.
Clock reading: 5:27
